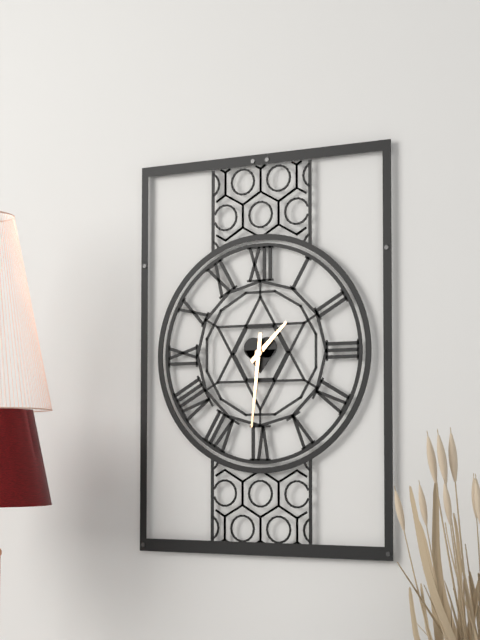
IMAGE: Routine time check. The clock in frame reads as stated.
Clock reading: 1:31
